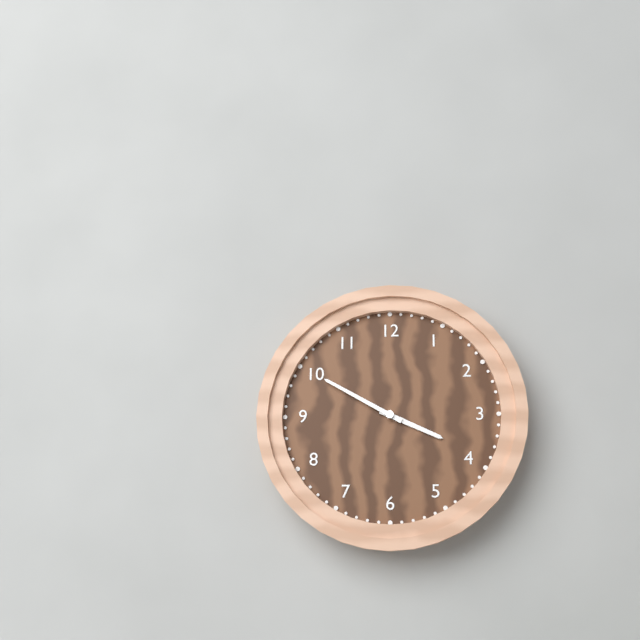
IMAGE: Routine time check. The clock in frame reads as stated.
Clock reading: 3:50
